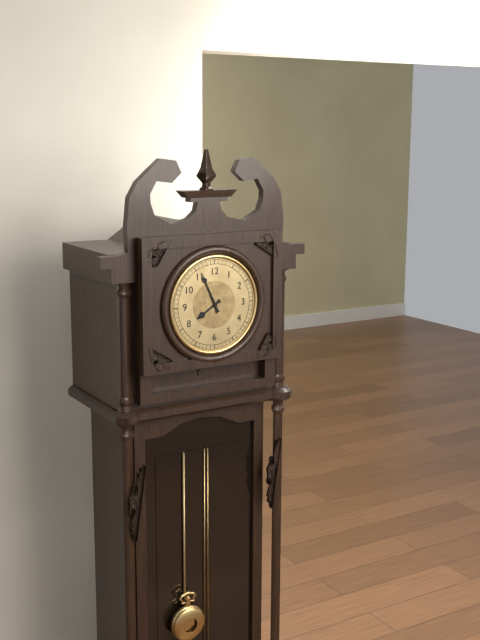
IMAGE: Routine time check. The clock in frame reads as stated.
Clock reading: 7:56
